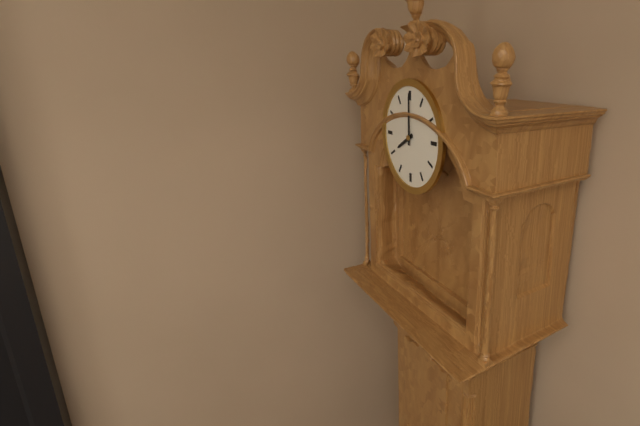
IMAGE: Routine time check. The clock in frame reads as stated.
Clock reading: 8:00
